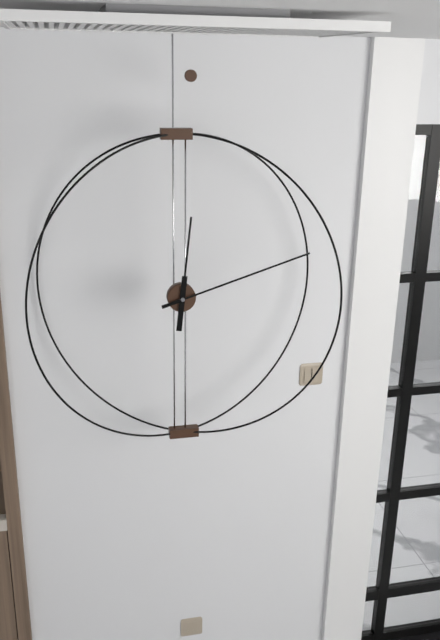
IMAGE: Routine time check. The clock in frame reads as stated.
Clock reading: 12:12
